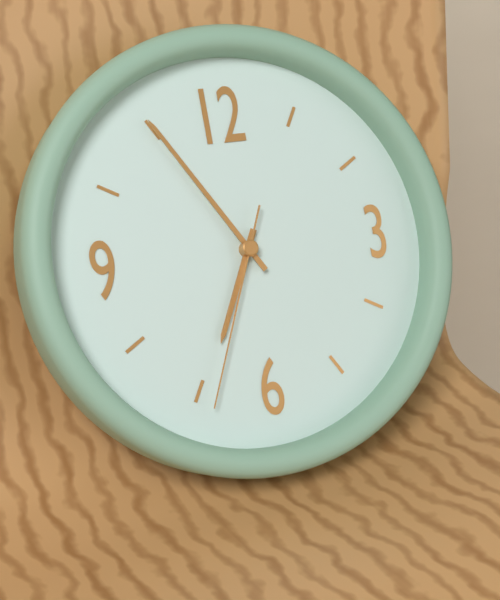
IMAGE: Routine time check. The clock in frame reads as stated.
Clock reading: 6:55:34
